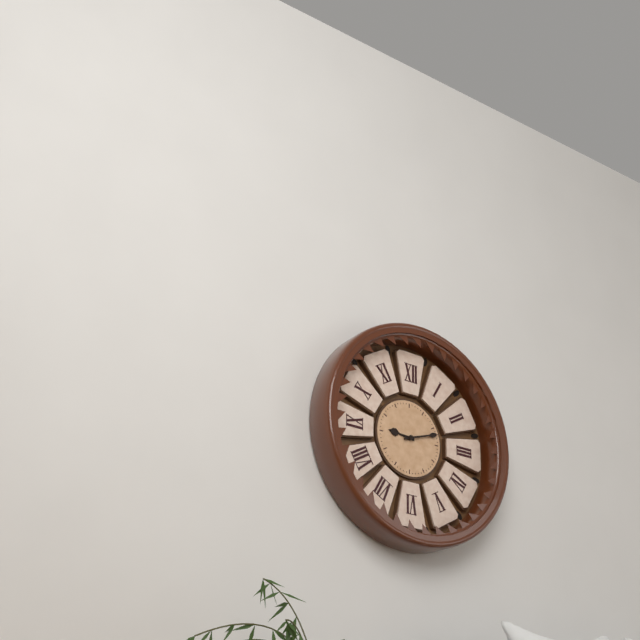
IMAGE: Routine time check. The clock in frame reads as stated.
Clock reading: 9:12
